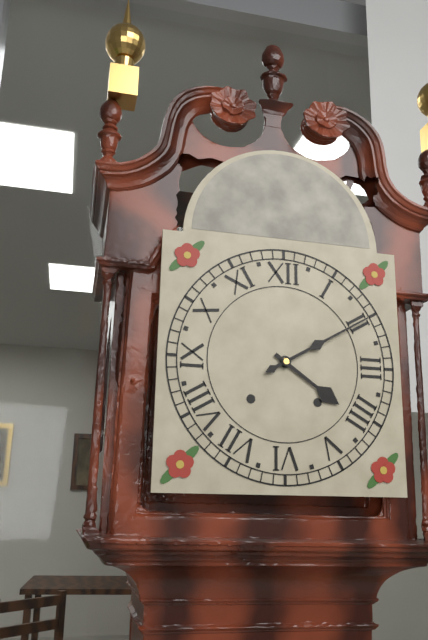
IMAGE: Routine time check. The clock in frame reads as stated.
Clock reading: 4:10
